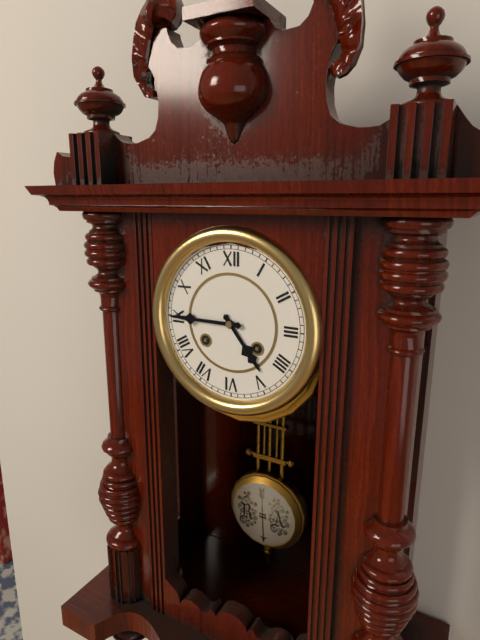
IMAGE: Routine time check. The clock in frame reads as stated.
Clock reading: 4:45
